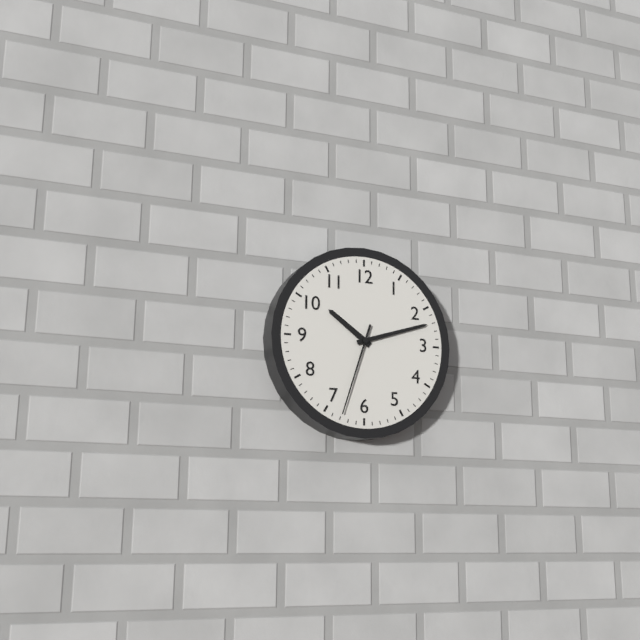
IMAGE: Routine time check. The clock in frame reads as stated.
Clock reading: 10:12:33
